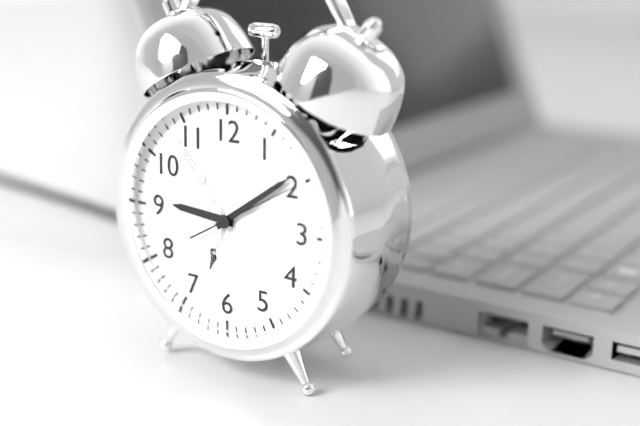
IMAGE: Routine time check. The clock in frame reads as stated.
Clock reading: 9:09:10
